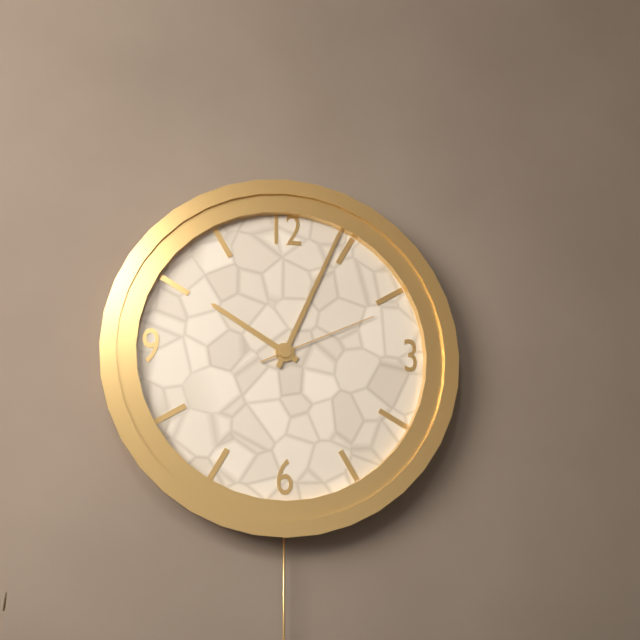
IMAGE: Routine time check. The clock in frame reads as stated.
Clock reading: 10:04:11
